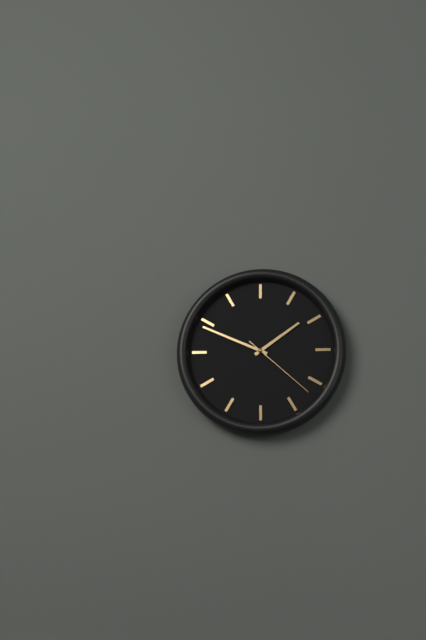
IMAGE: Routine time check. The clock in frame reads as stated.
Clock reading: 1:49:22
